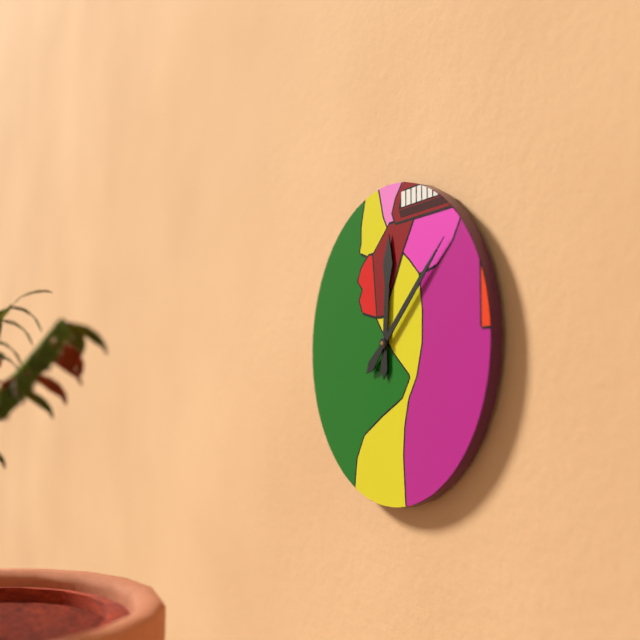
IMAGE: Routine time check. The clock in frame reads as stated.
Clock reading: 12:08
